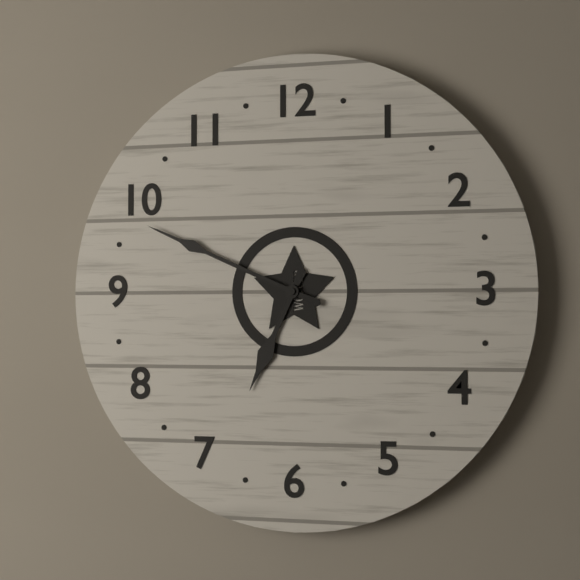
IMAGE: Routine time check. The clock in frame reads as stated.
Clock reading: 6:49
